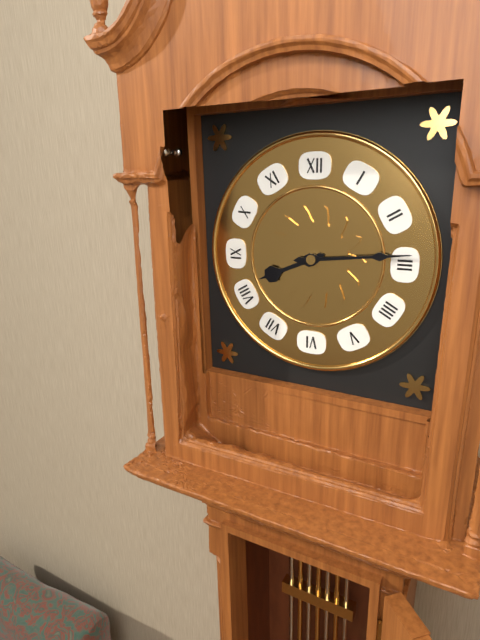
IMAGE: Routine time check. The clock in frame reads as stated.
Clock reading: 8:14
